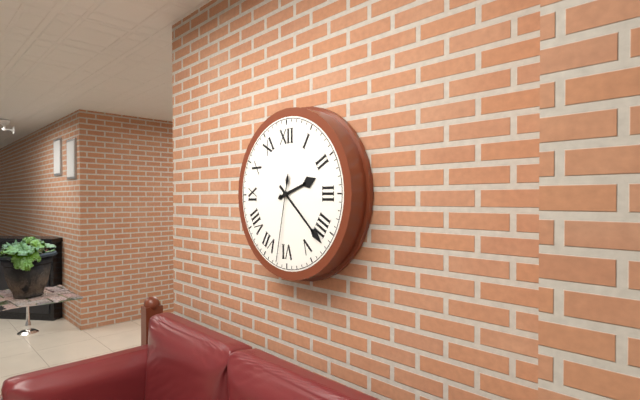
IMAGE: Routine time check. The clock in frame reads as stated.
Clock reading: 2:22:32
